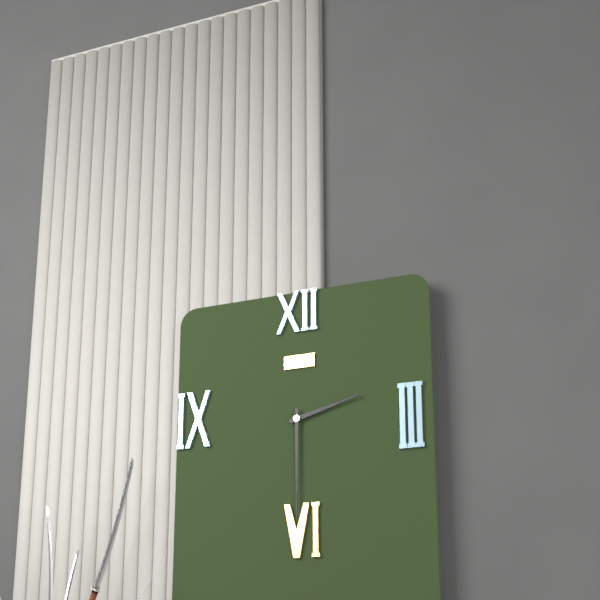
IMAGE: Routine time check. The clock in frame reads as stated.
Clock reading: 2:30
